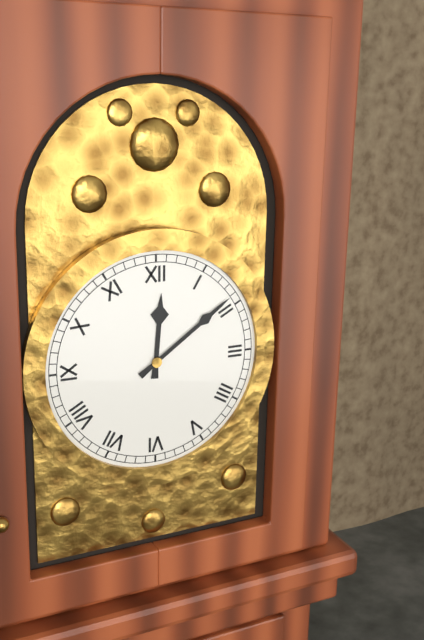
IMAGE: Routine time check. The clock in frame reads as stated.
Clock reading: 12:09
